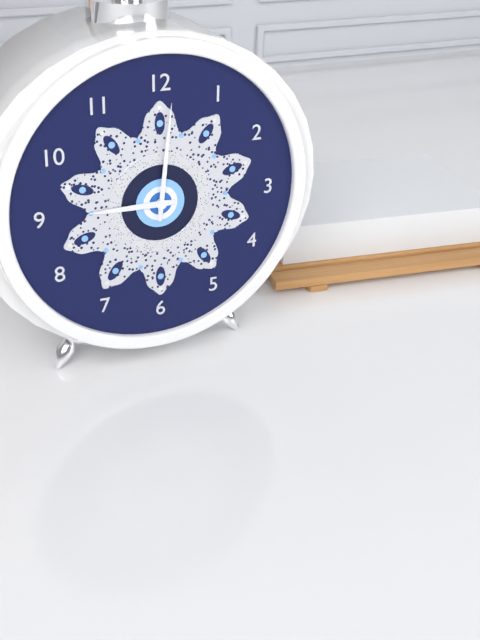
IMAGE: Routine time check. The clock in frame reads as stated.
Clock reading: 9:01
